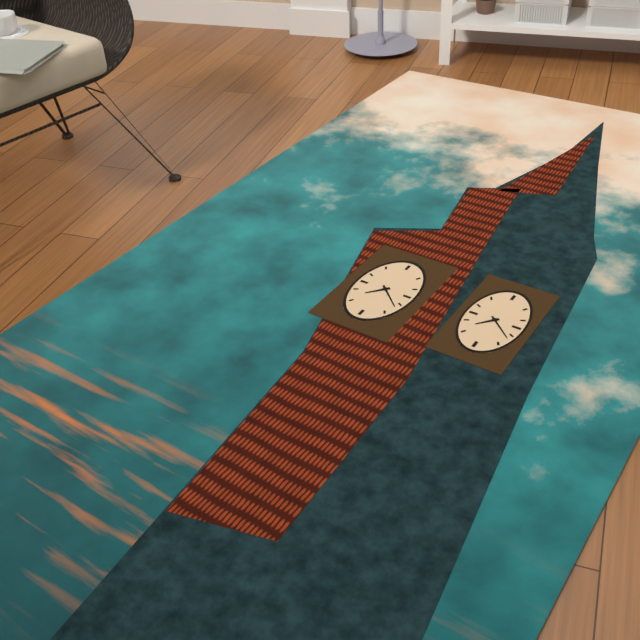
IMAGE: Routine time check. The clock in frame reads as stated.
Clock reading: 7:22
